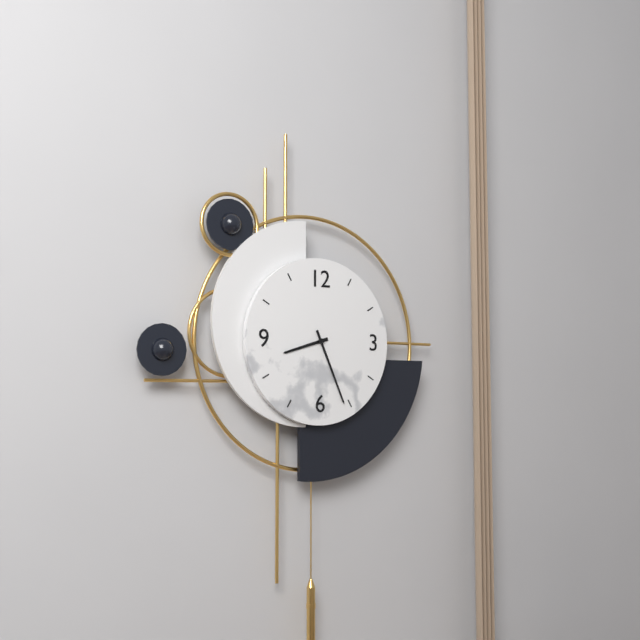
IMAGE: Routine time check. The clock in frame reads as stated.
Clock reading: 8:26
